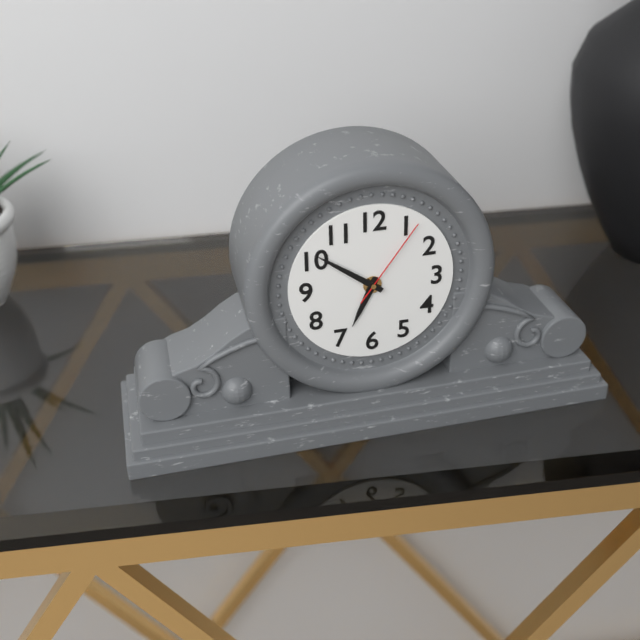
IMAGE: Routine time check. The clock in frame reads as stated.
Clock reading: 6:51:06
